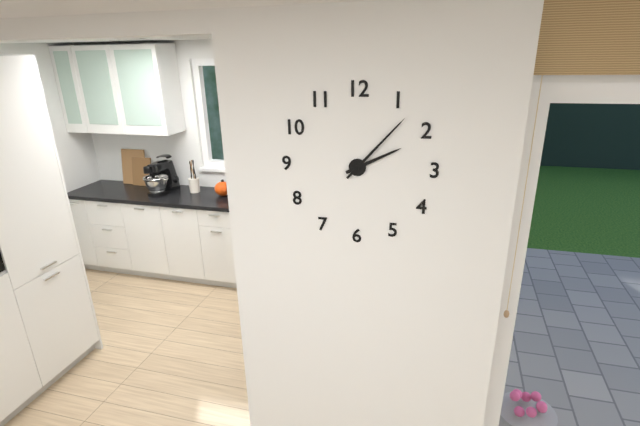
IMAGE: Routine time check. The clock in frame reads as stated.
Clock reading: 2:07
